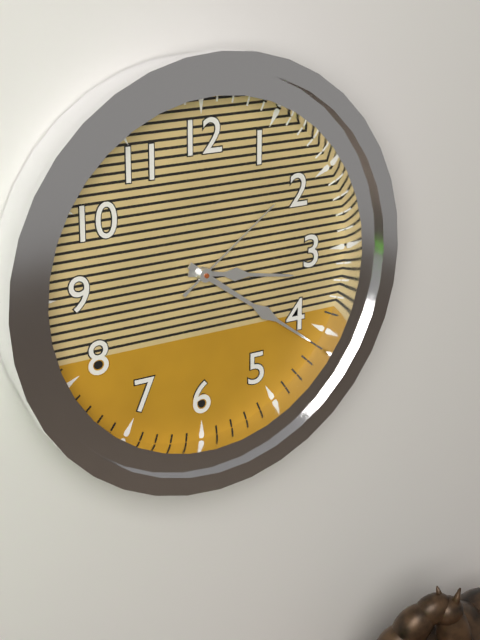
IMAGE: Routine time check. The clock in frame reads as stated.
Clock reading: 3:21:09
